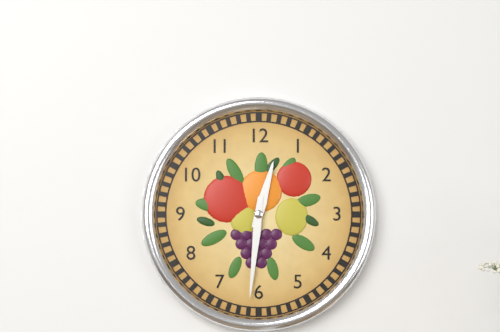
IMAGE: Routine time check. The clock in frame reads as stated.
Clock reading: 12:31
